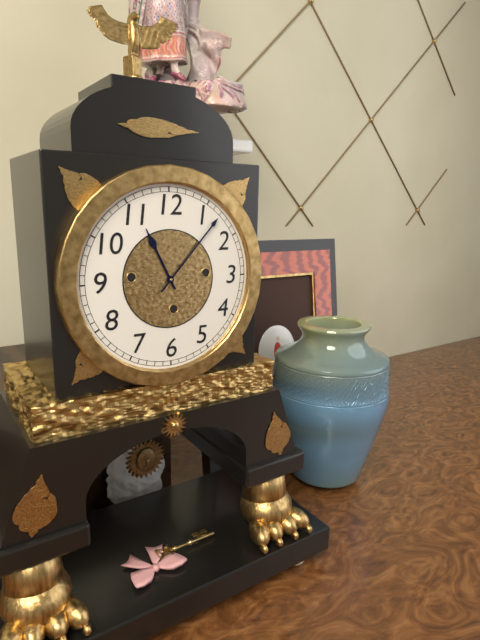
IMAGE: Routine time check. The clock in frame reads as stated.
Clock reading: 11:07
